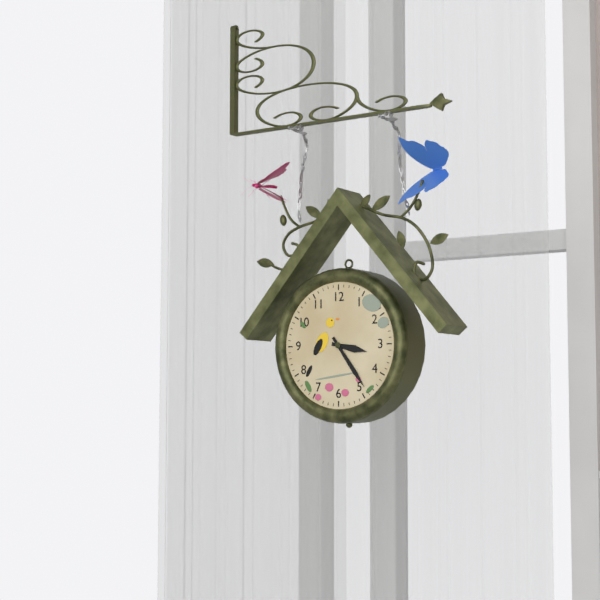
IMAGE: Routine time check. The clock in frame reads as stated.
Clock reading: 3:24
